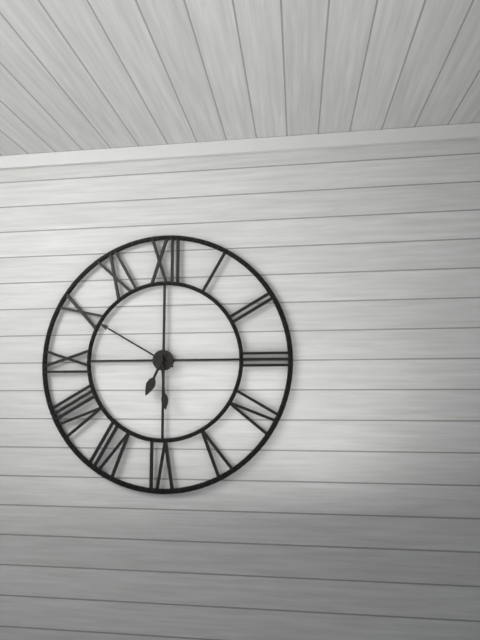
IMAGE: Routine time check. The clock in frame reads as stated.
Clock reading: 6:50:29
